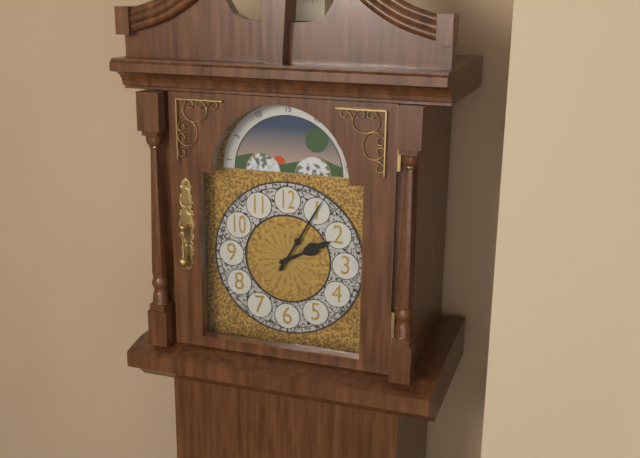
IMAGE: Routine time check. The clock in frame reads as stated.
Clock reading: 2:05
